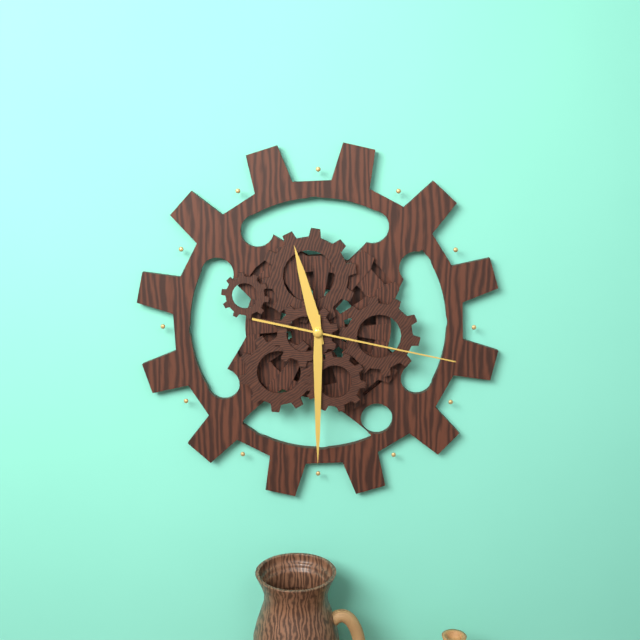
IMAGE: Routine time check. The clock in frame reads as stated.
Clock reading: 11:30:17
